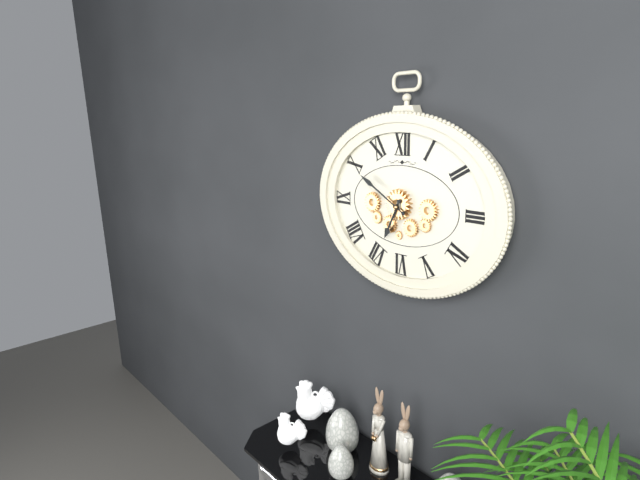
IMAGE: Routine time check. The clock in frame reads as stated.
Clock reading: 6:50
